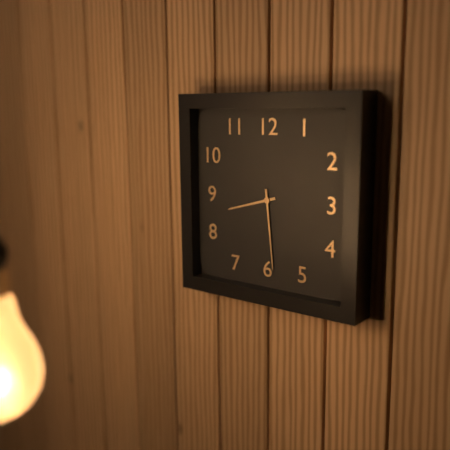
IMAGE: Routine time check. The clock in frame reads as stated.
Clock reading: 8:29
